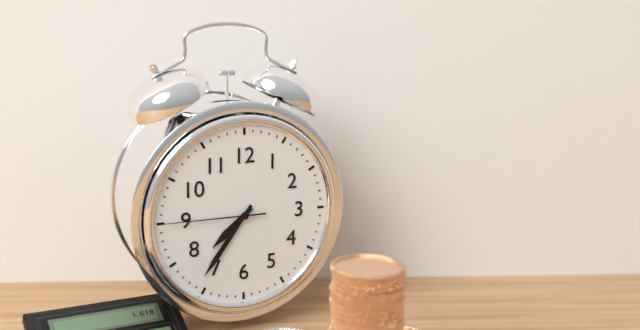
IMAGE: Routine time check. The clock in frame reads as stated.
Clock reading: 7:36:45
